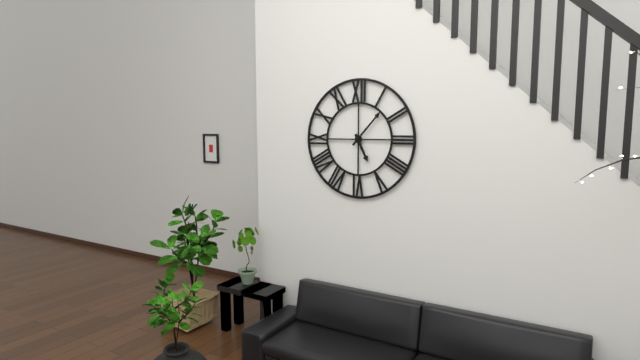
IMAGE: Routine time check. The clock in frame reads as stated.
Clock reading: 5:07
